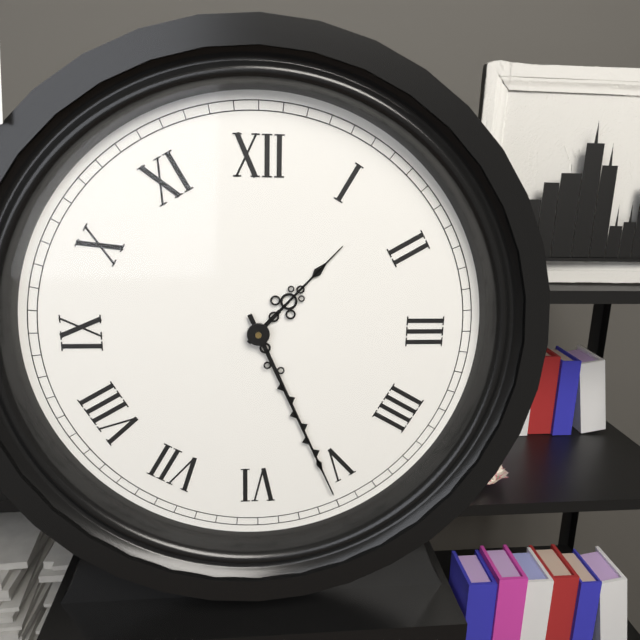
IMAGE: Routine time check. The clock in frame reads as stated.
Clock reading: 1:26
